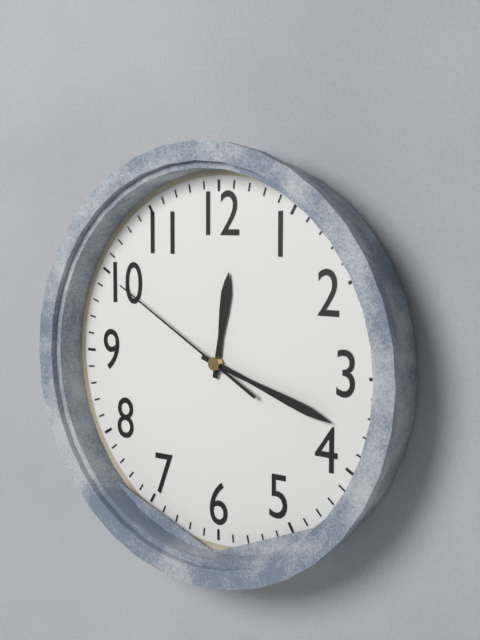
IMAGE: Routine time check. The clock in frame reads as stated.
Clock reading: 12:18:50
